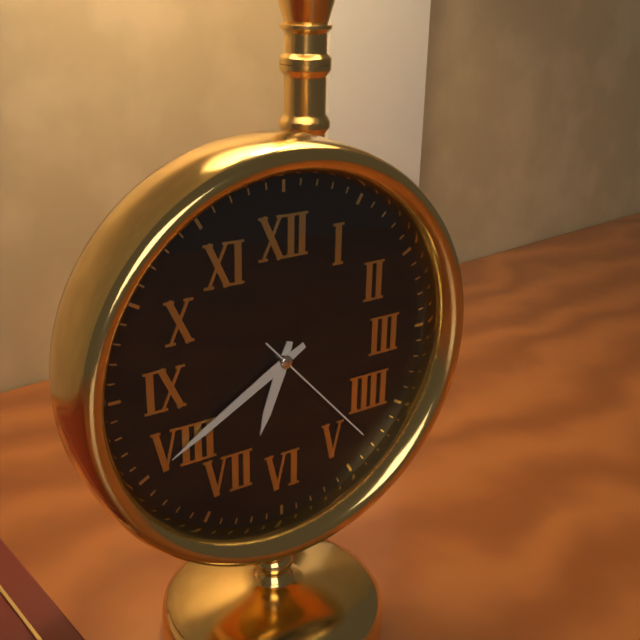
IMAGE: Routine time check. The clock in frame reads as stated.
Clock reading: 6:40:23
